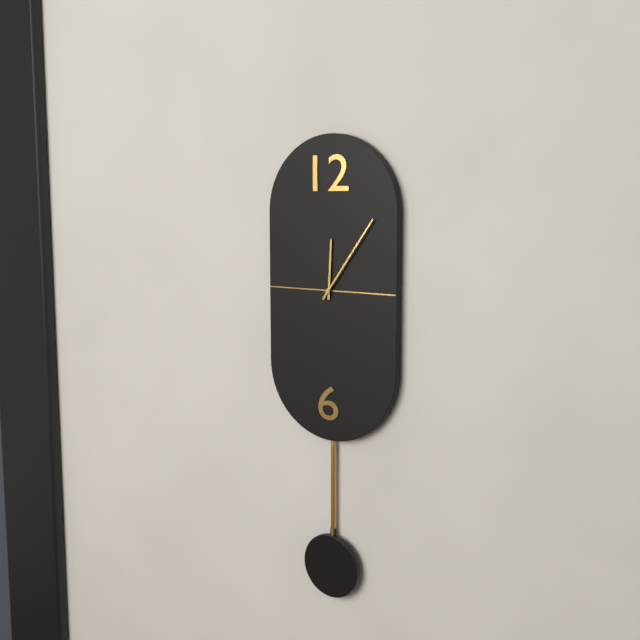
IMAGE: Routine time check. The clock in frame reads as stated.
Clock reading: 12:06
